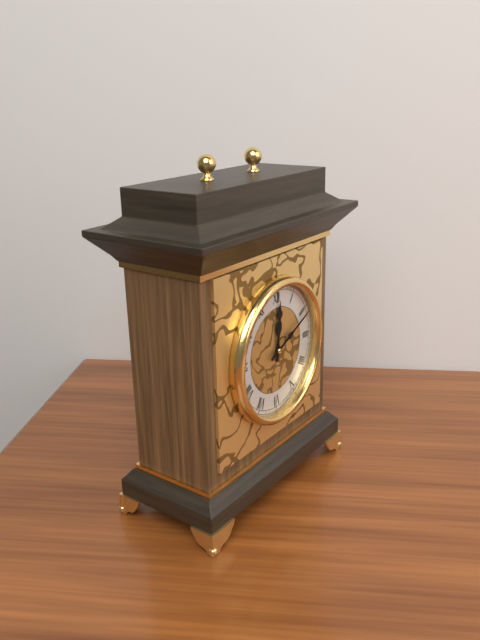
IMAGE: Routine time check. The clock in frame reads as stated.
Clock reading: 12:11
